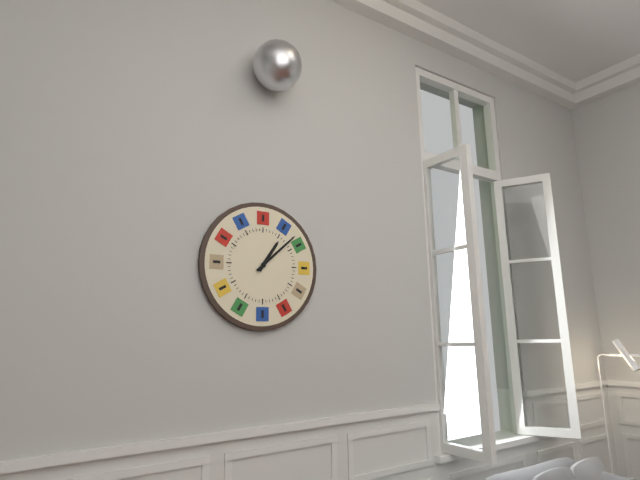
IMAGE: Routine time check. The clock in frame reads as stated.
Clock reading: 1:08
